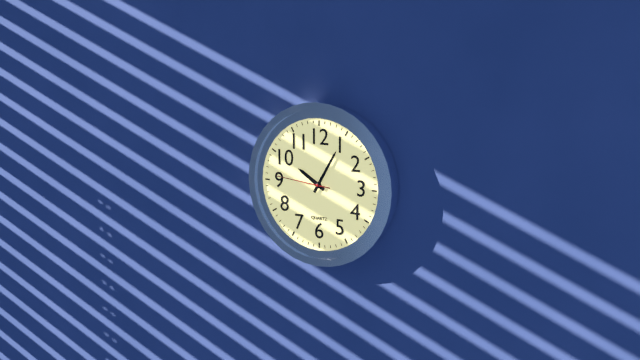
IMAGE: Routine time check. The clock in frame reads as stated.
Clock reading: 10:05:46
